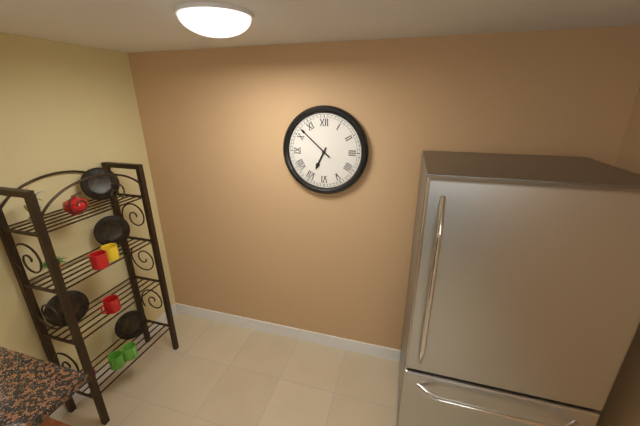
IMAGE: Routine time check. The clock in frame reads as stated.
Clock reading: 6:52
